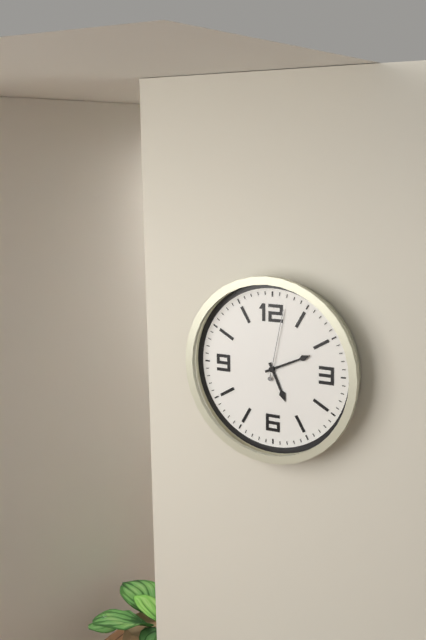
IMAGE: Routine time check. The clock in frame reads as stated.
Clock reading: 5:11:02
